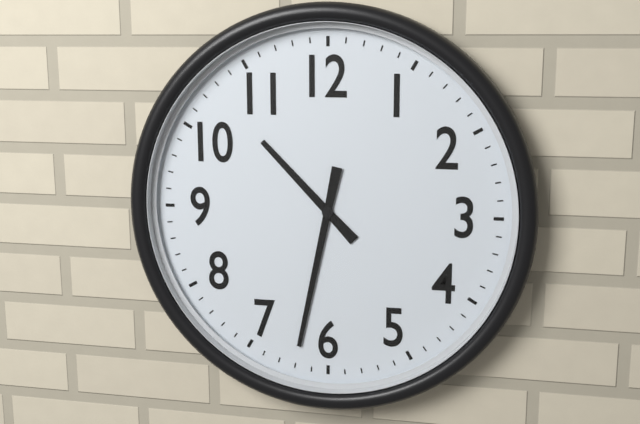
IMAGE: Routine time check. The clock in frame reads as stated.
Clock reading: 10:32
